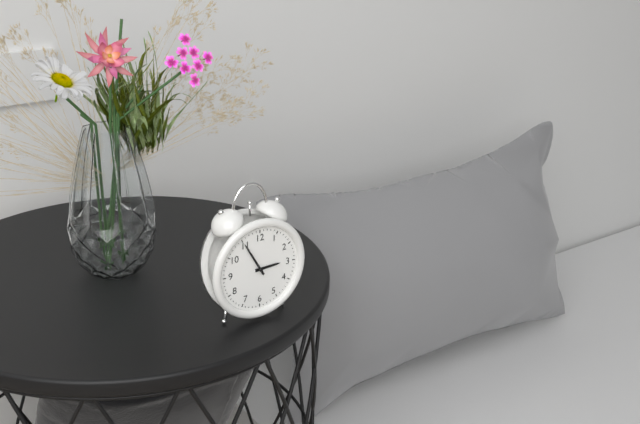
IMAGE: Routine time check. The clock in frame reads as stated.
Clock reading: 2:55
